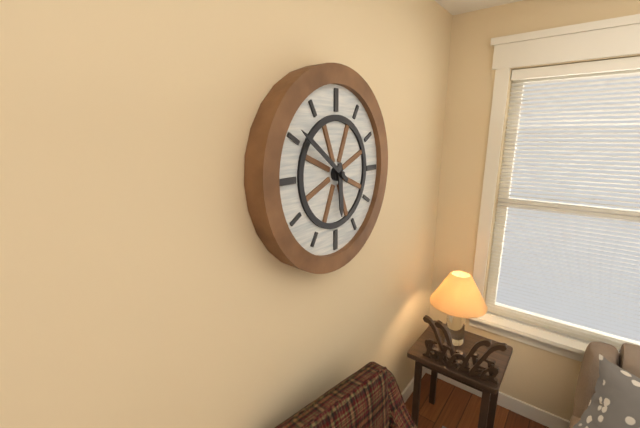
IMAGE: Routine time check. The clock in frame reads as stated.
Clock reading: 5:51
